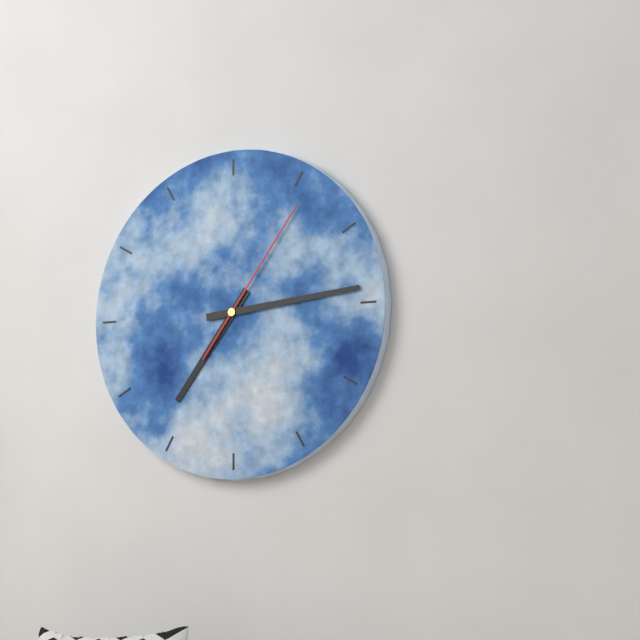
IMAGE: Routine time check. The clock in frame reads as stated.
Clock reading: 7:14:06
